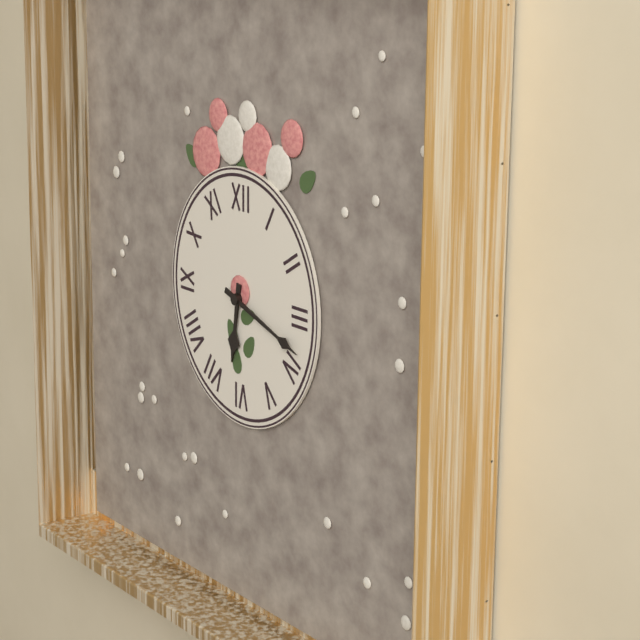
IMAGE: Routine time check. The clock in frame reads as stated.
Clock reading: 6:18
